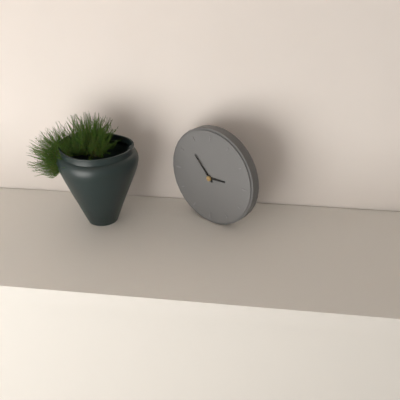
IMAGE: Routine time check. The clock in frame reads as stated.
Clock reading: 2:53
